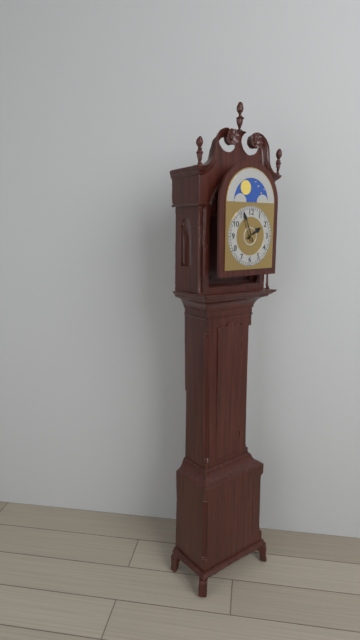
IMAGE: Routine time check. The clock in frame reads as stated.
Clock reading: 1:56
